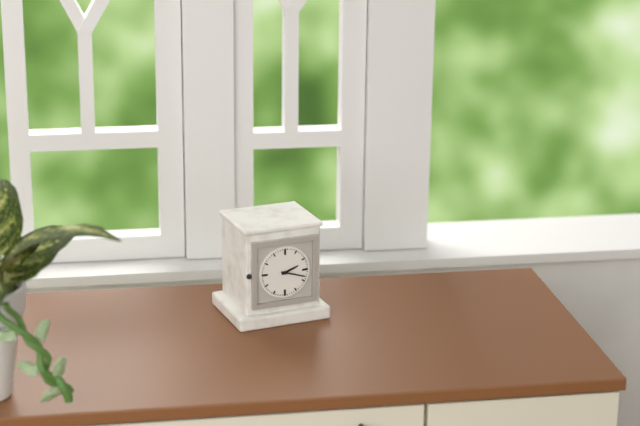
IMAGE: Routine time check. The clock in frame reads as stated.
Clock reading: 2:18
